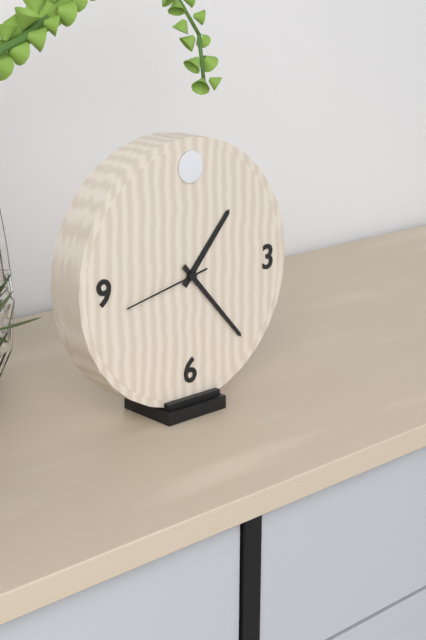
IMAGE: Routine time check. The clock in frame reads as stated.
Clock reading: 1:23:43
